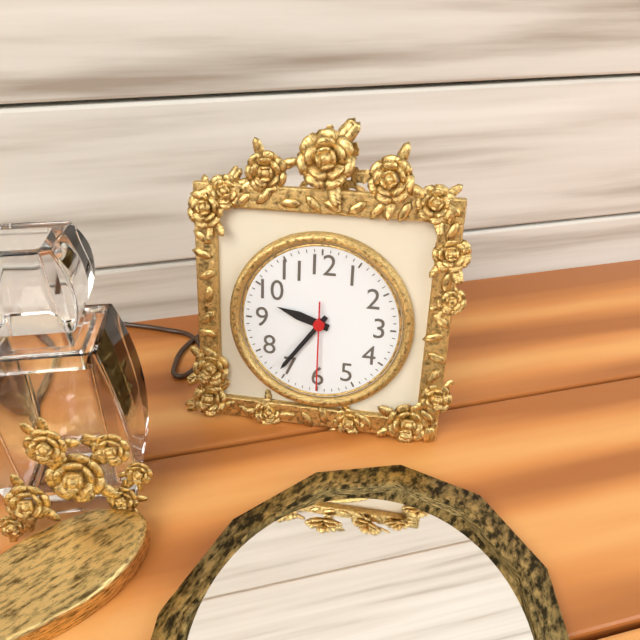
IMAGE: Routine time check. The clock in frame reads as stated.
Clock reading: 9:36:30
